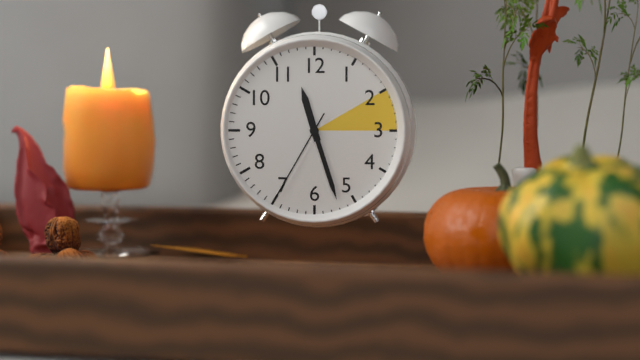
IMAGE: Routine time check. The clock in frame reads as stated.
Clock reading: 11:27:35
